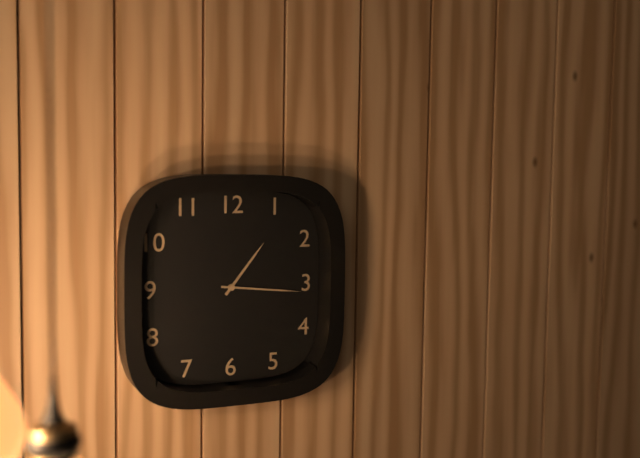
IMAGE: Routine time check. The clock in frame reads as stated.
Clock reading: 1:16
